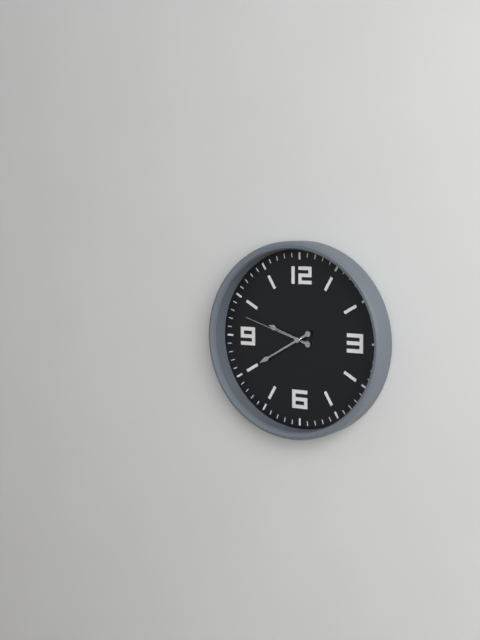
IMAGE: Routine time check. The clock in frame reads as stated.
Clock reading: 9:40:48
